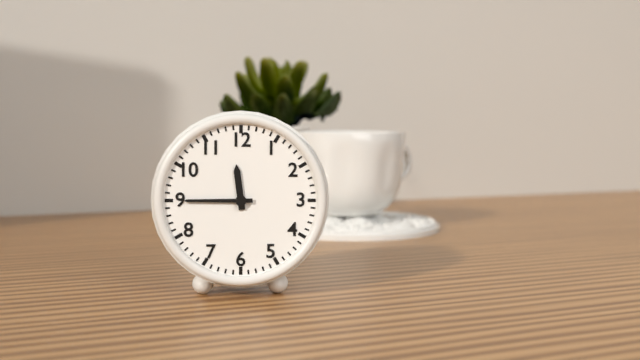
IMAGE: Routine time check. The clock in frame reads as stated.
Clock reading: 11:45
